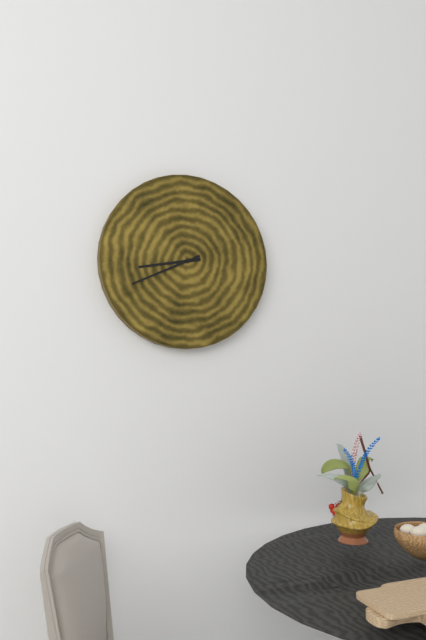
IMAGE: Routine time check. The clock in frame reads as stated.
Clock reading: 8:41
